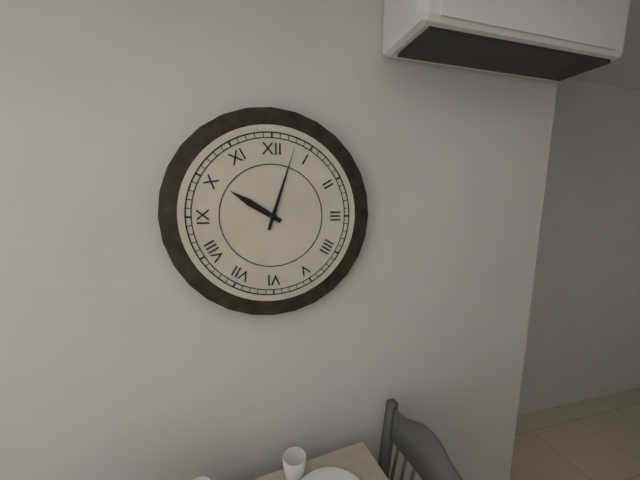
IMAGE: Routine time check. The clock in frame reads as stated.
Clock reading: 10:03
